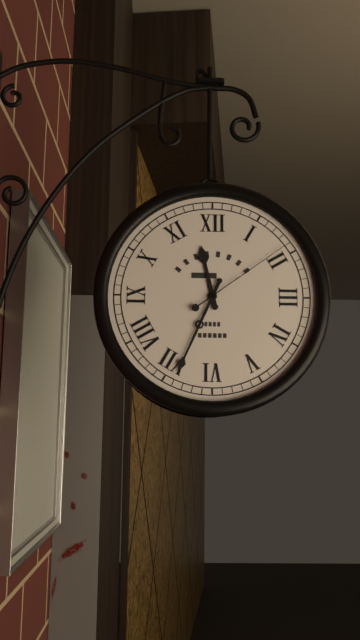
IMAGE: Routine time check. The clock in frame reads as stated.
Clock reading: 11:34:09
